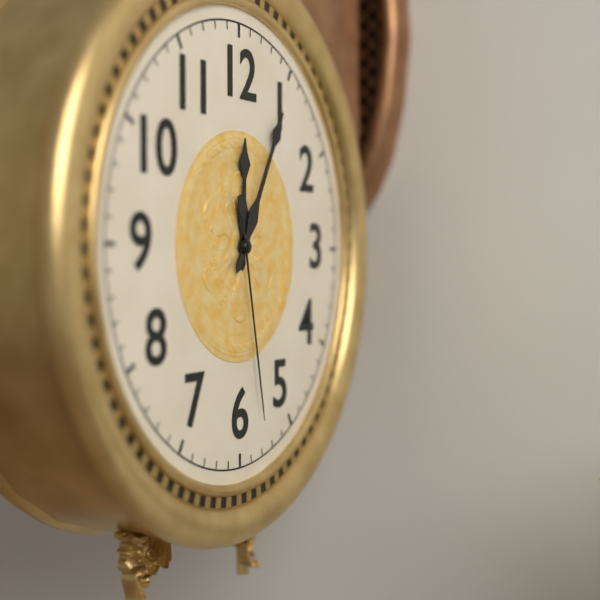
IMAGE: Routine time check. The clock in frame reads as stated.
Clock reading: 12:05:28
